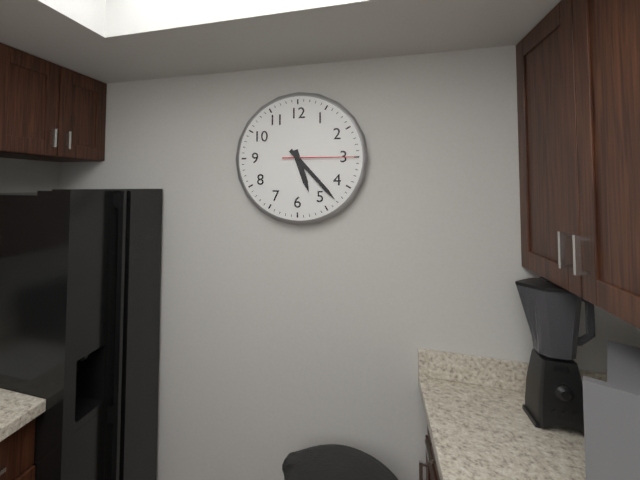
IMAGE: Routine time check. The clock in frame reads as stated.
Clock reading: 5:23:15
